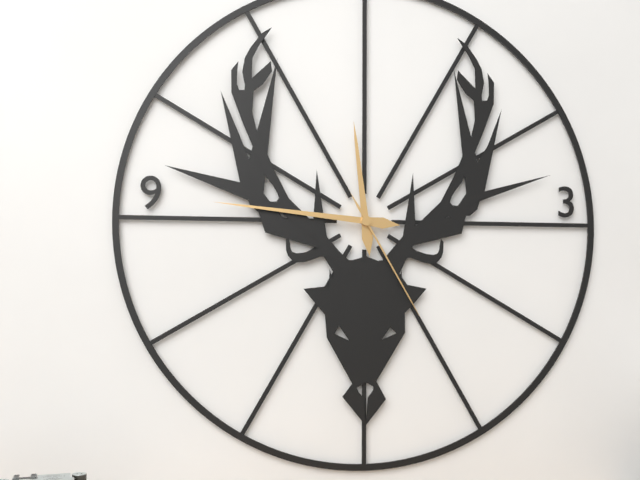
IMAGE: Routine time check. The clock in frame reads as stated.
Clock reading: 11:46:25
